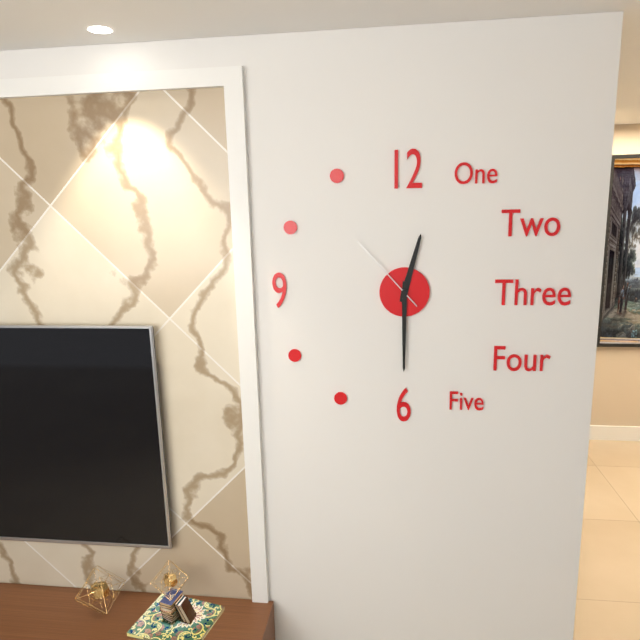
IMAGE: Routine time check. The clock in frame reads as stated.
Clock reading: 12:30:53
